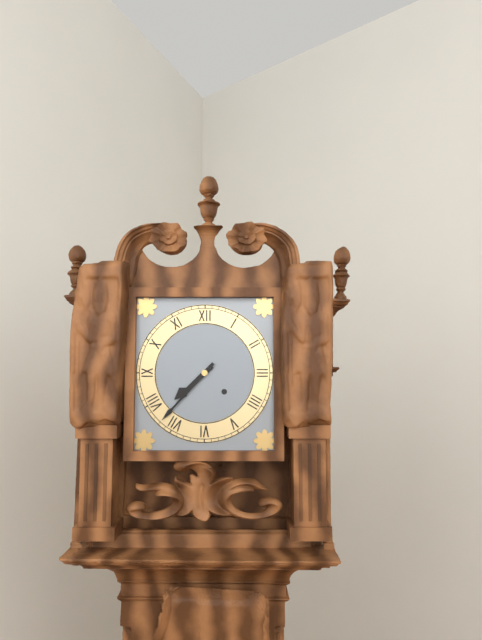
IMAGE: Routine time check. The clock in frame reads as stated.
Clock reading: 7:37
